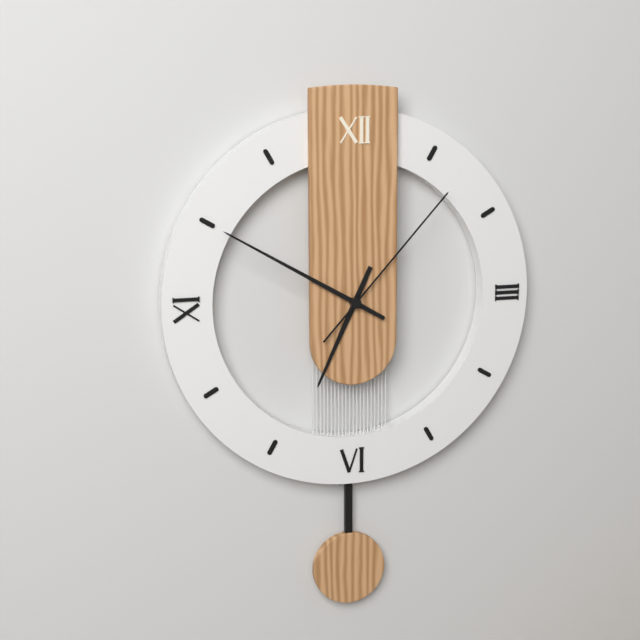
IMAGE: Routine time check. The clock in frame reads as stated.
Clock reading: 6:50:07
